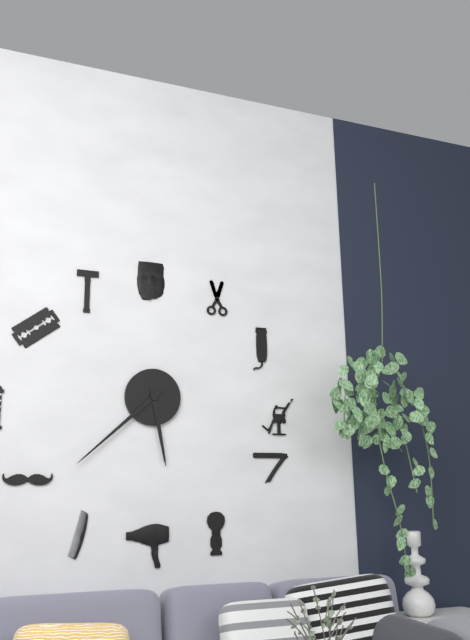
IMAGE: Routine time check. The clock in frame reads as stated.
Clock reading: 5:38
